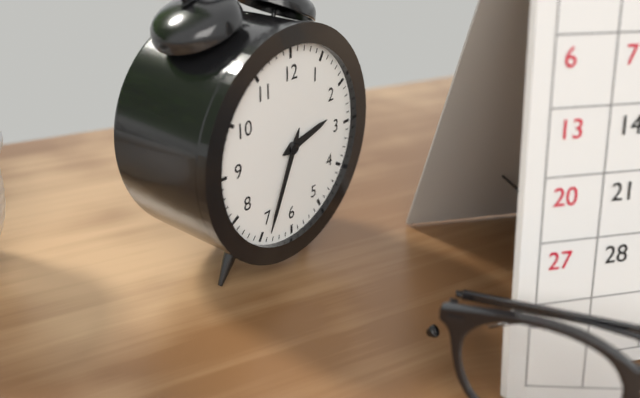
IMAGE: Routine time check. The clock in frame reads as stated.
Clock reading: 2:34
